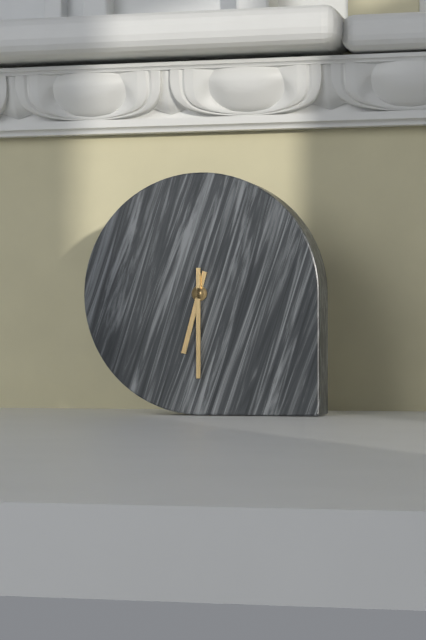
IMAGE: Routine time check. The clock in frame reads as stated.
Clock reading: 6:30
